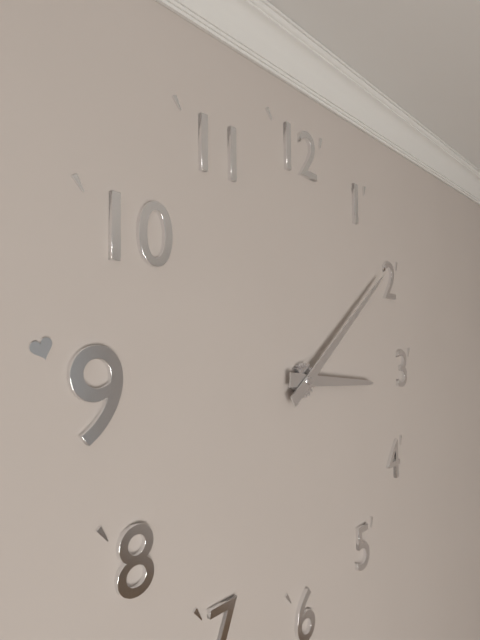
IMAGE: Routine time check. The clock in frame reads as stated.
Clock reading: 3:09
